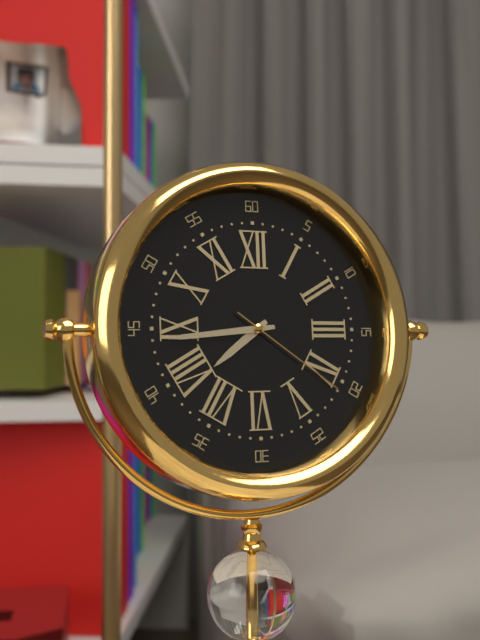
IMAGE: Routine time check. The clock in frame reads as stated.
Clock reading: 7:44:21
